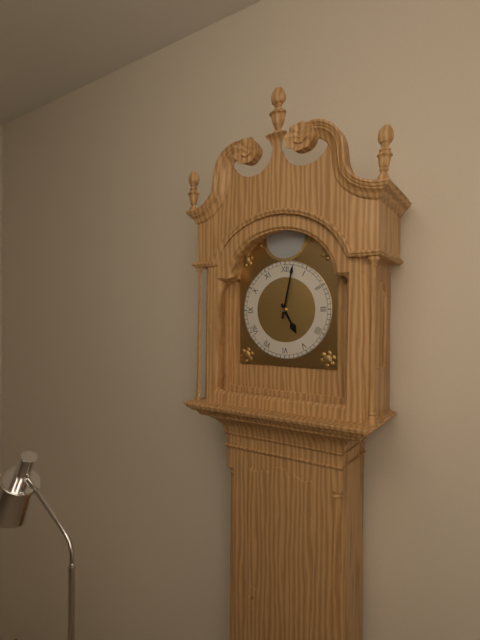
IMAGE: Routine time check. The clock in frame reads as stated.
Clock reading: 5:02
